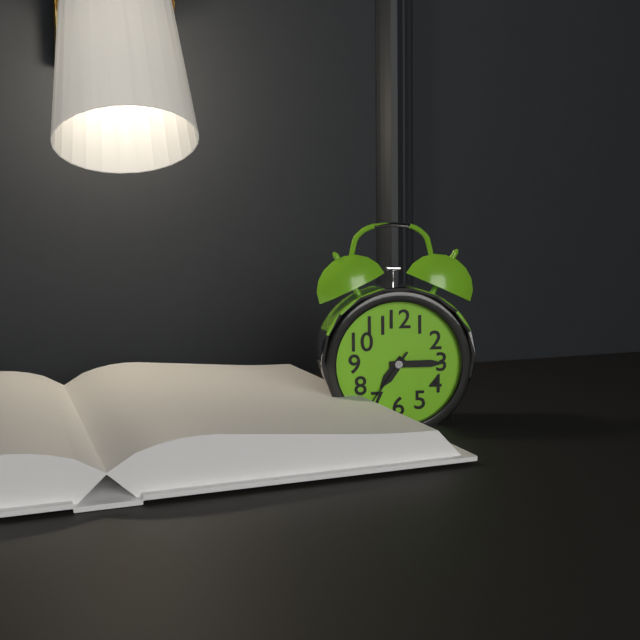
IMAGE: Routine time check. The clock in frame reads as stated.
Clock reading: 7:15:36
